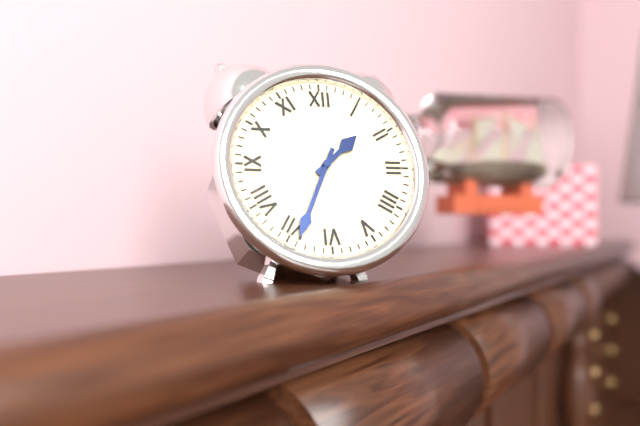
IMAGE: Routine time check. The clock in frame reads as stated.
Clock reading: 1:34
